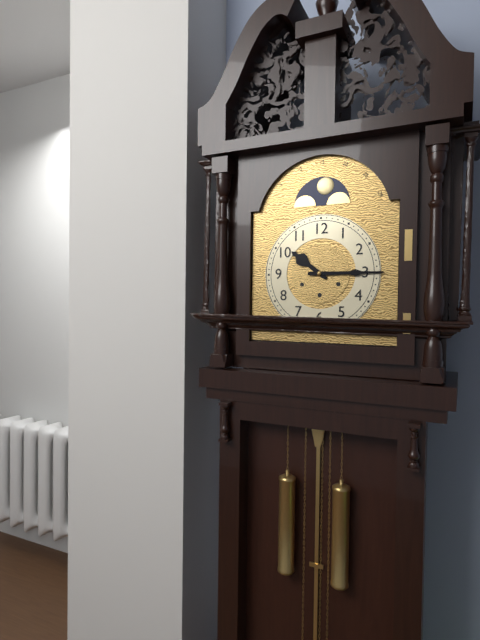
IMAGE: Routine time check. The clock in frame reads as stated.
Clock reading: 10:15
